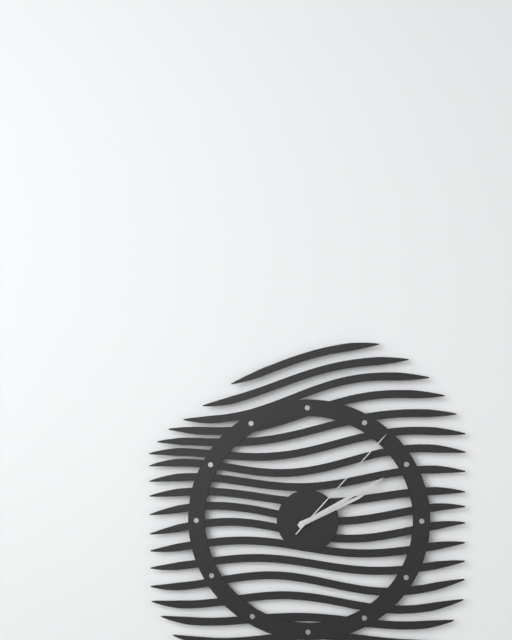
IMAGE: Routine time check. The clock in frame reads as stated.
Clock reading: 2:10:07
